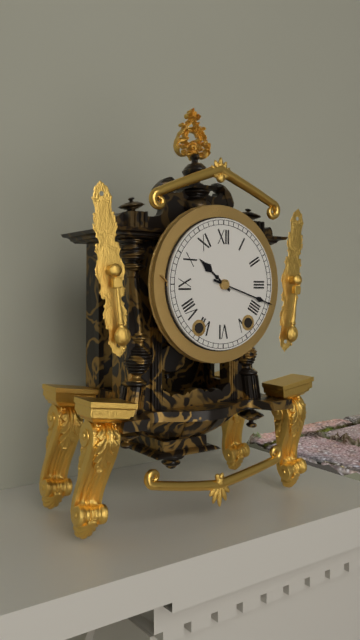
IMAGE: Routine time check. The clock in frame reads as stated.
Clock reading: 10:18
